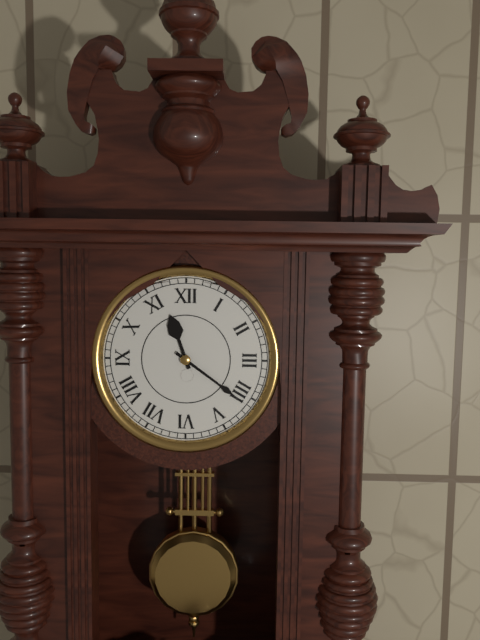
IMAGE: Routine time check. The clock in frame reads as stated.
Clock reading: 11:21
